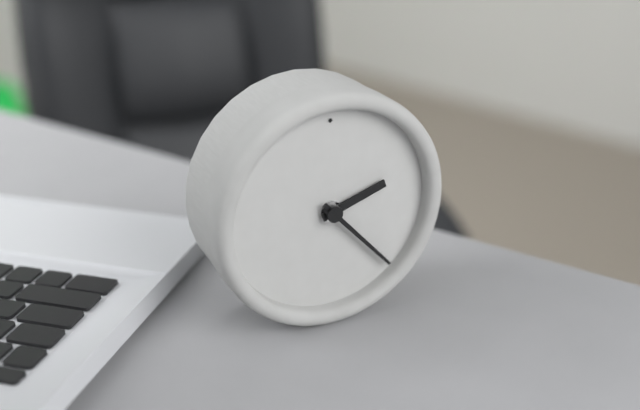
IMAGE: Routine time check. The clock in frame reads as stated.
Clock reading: 2:23
